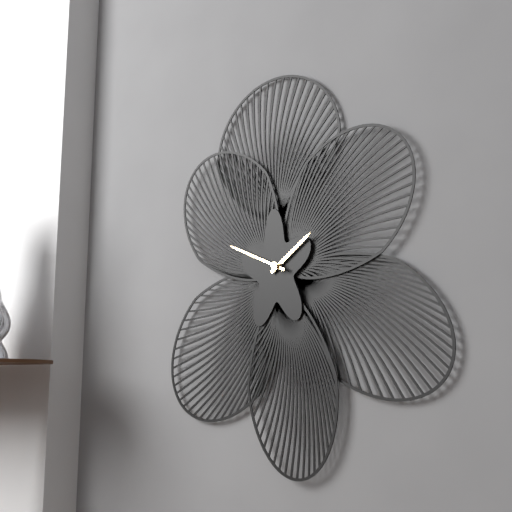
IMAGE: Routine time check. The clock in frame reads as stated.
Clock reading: 1:49
